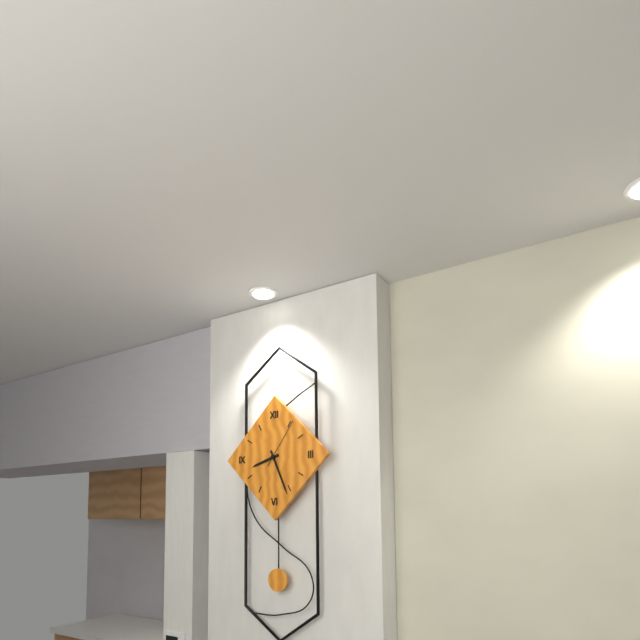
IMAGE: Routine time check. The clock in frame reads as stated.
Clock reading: 8:26:06
